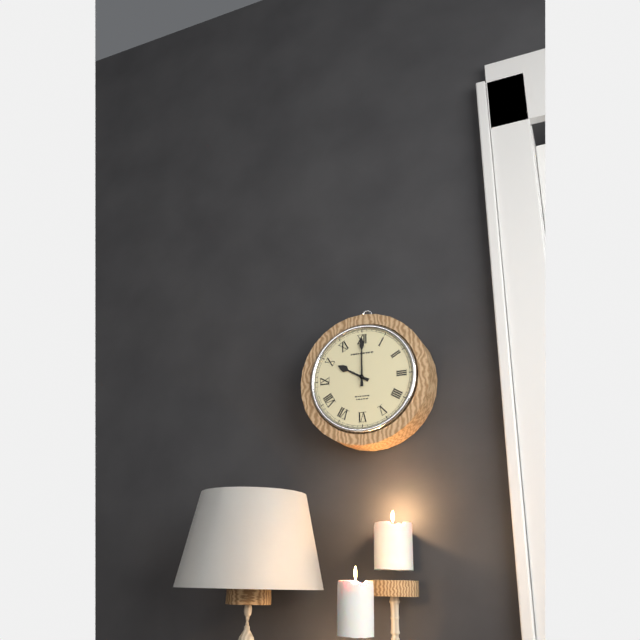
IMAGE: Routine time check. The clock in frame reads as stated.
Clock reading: 10:00
